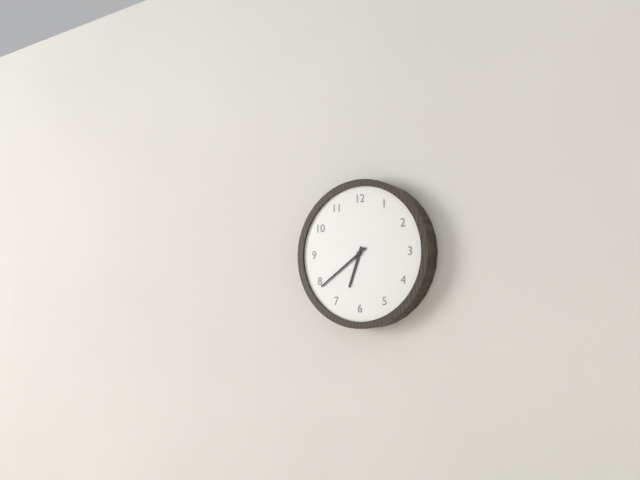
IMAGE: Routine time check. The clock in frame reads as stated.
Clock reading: 6:39
